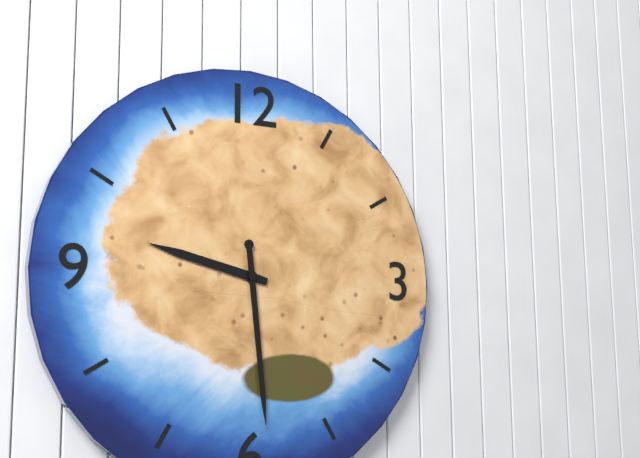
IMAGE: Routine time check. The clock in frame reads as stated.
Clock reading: 9:29
